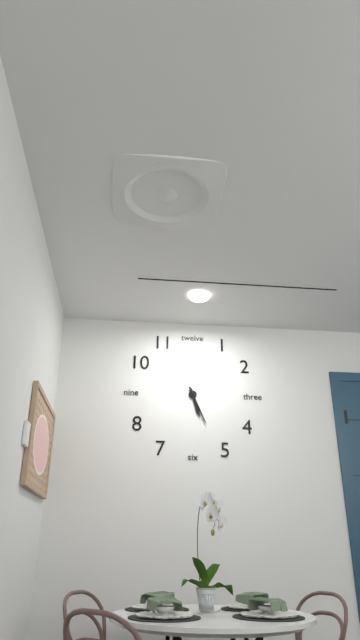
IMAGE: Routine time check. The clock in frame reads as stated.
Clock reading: 5:26
